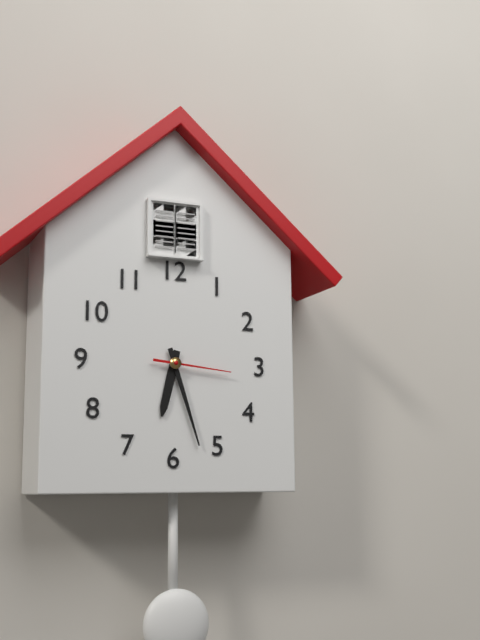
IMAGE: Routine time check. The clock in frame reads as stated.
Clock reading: 6:27:16
